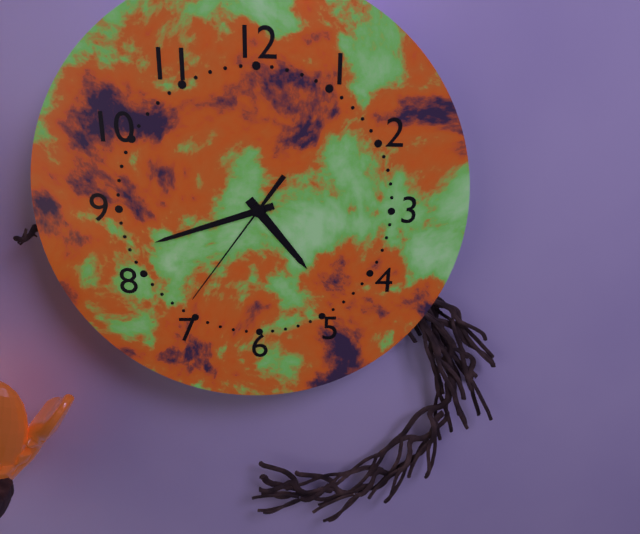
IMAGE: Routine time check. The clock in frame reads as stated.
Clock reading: 4:42:36
